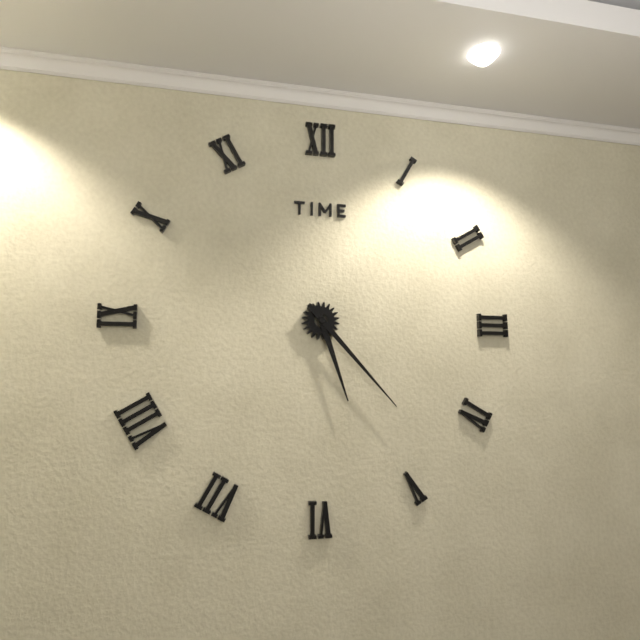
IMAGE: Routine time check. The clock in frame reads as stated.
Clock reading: 5:23
